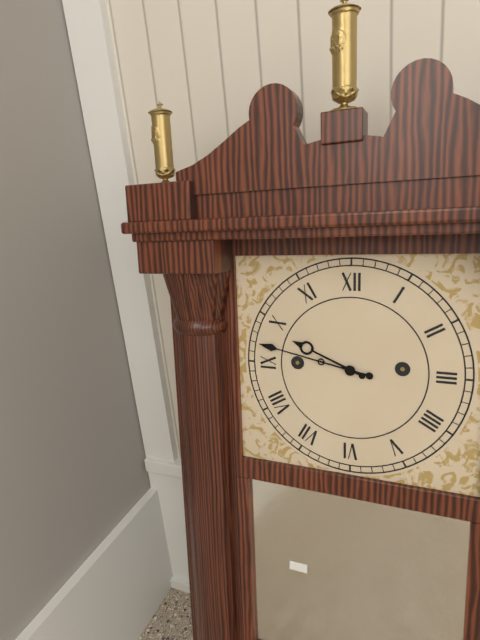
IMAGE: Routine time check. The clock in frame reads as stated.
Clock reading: 9:47
